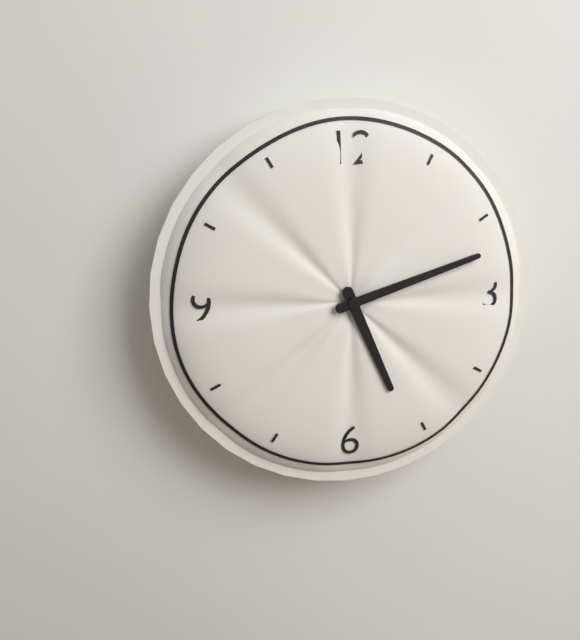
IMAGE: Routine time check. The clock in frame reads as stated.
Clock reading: 5:12
